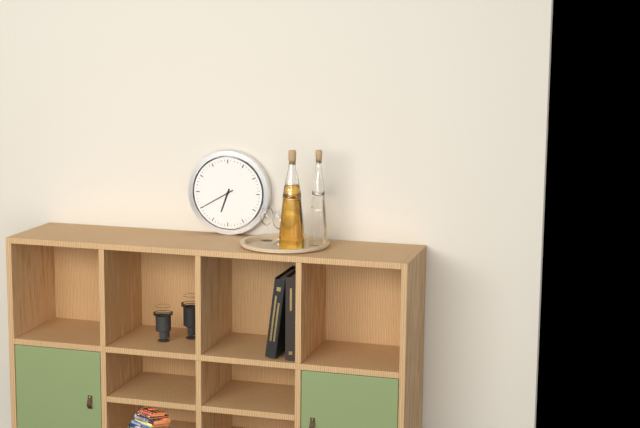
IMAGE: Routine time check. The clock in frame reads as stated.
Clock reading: 6:40
